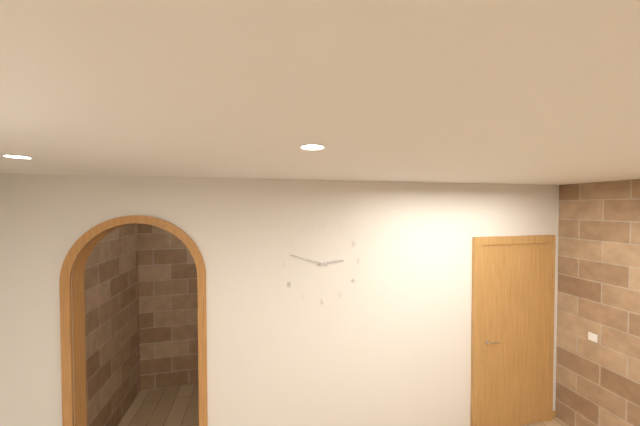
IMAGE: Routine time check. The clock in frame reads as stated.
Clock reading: 2:48
